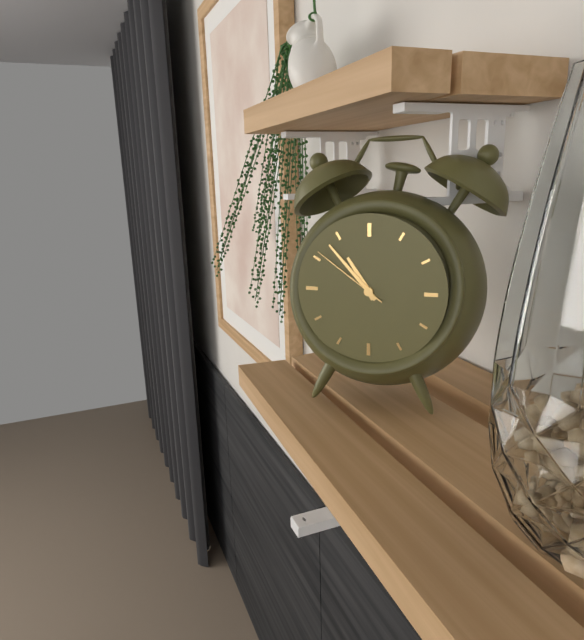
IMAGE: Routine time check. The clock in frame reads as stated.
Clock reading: 10:53:51
